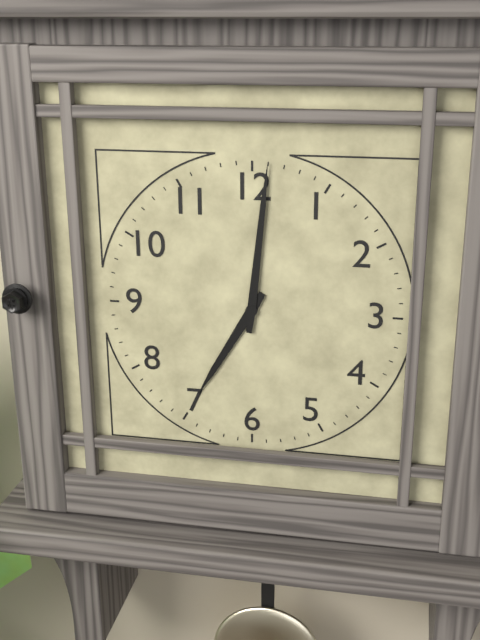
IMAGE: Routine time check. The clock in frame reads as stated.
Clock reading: 7:01
